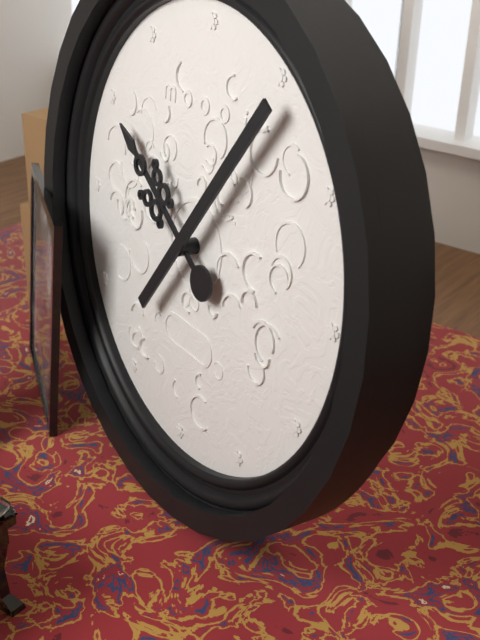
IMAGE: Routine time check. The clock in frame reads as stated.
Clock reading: 10:06
